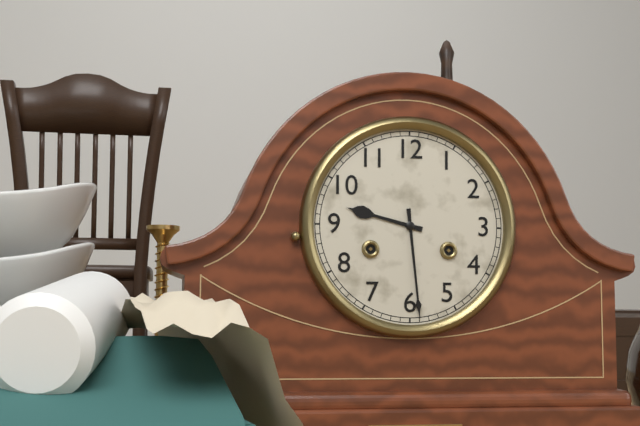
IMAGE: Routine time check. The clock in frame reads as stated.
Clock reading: 9:29
